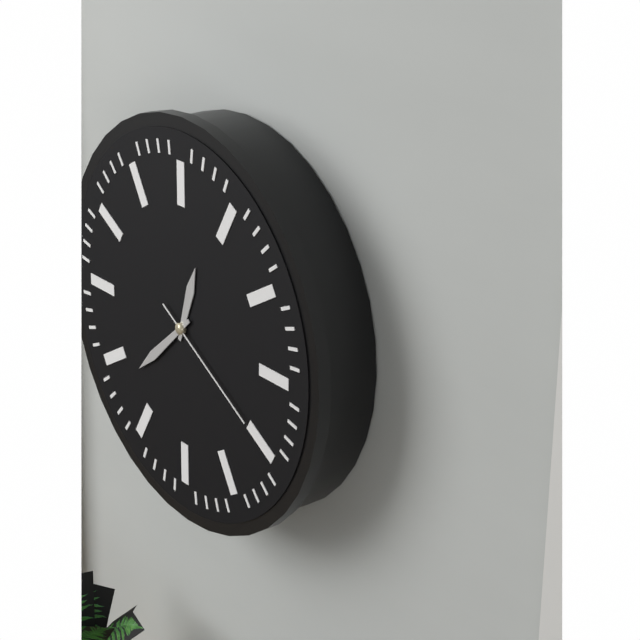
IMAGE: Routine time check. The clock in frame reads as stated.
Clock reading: 12:38:20
